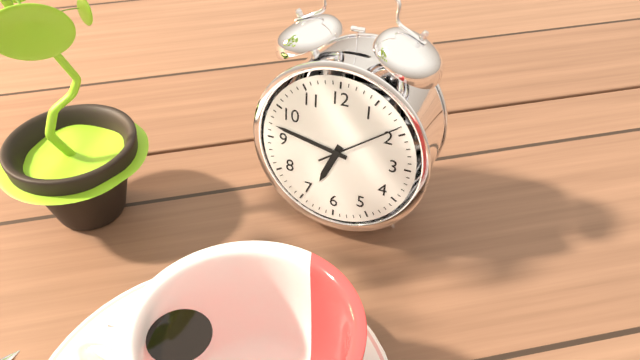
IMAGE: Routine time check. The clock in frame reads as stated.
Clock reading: 6:47:09
